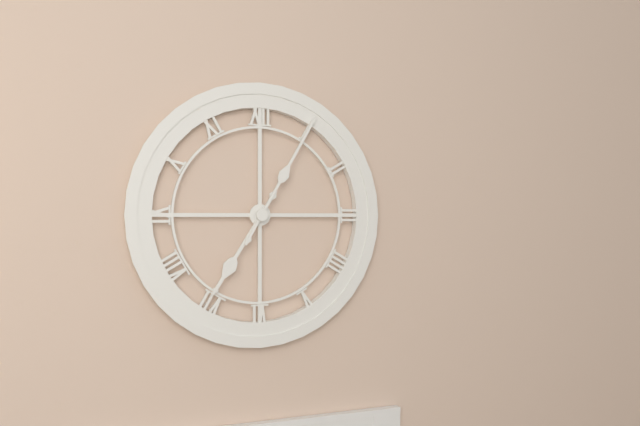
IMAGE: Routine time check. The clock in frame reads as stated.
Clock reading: 7:05
